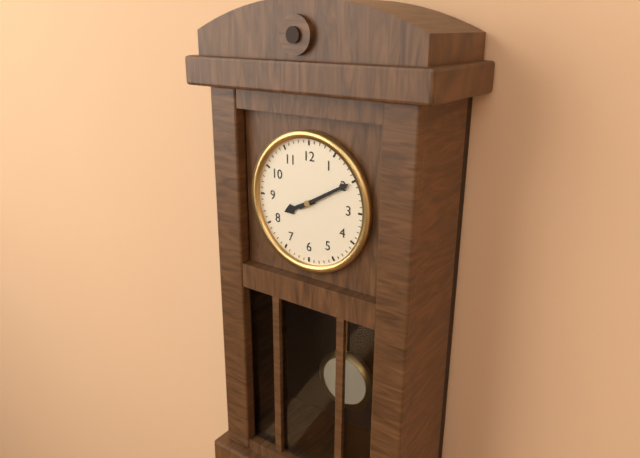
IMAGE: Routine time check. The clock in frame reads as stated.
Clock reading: 8:10
